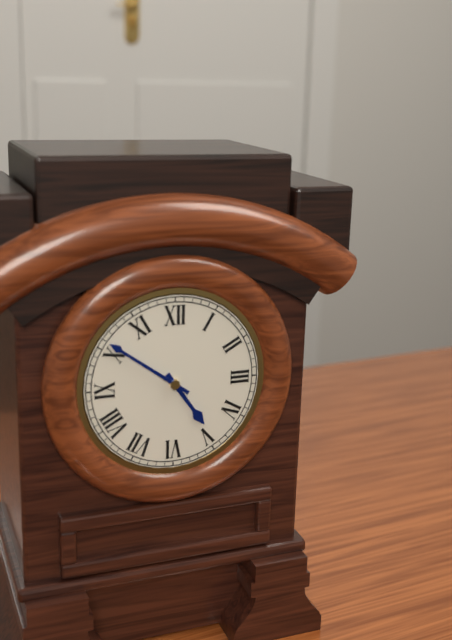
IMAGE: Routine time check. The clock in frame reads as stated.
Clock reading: 4:51
